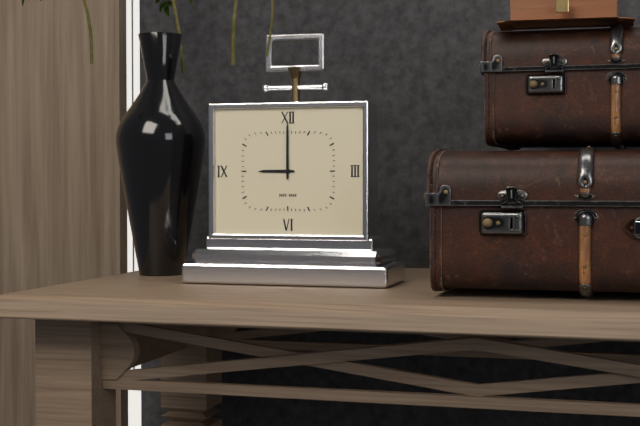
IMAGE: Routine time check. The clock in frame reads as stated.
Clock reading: 9:00
